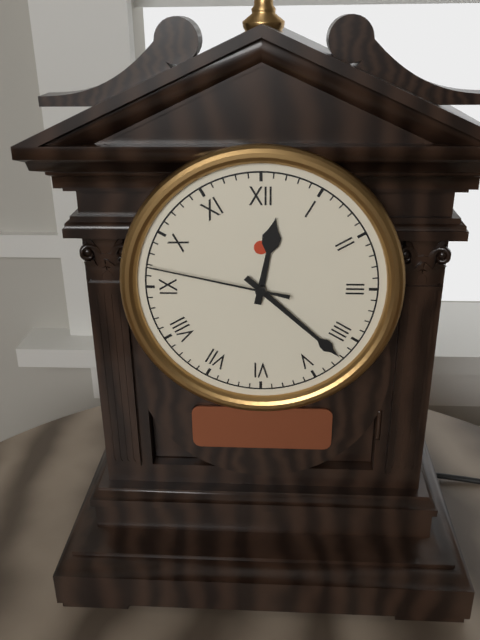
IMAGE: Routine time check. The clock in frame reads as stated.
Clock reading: 12:22:47
